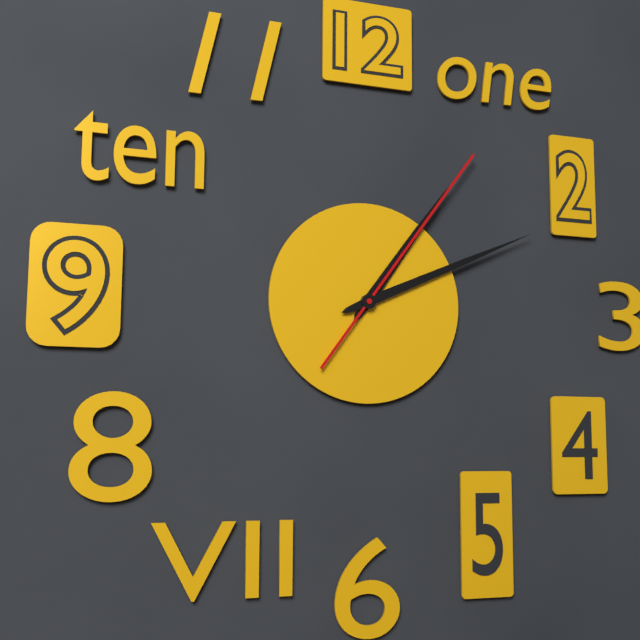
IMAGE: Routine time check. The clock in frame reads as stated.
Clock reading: 1:11:06
